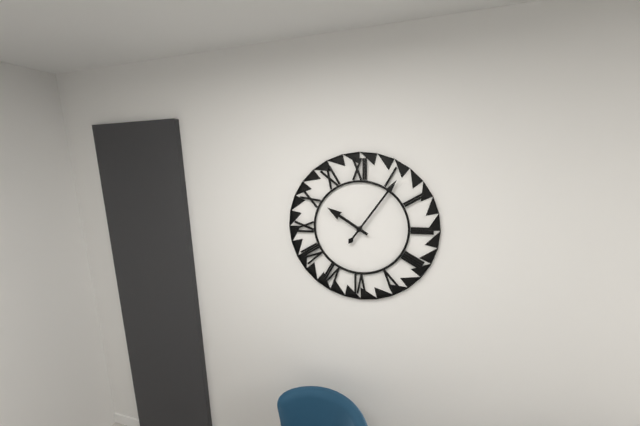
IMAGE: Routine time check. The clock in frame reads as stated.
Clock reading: 10:06
